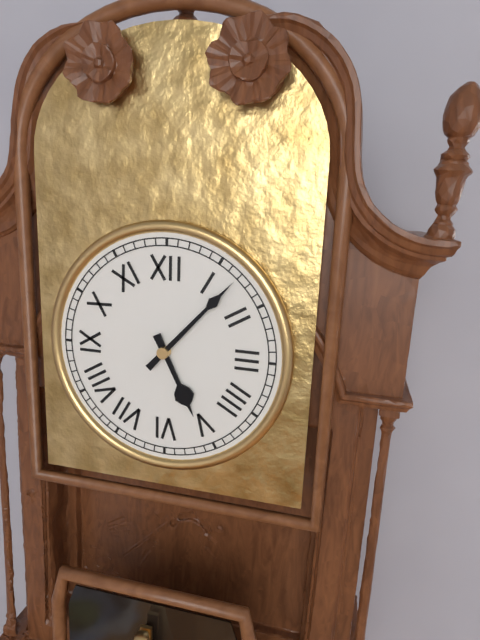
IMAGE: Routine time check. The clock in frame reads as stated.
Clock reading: 5:07
